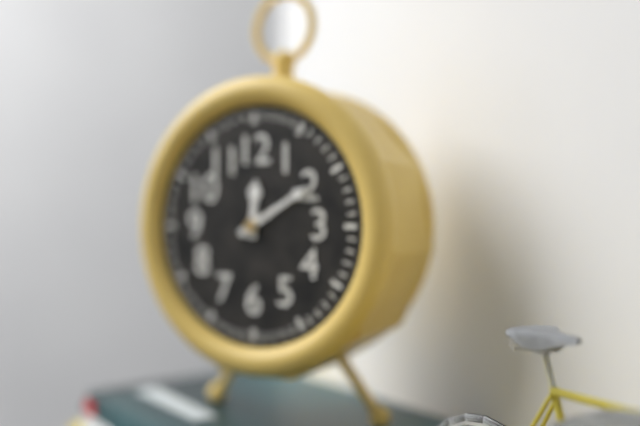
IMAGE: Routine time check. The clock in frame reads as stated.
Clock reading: 12:10
